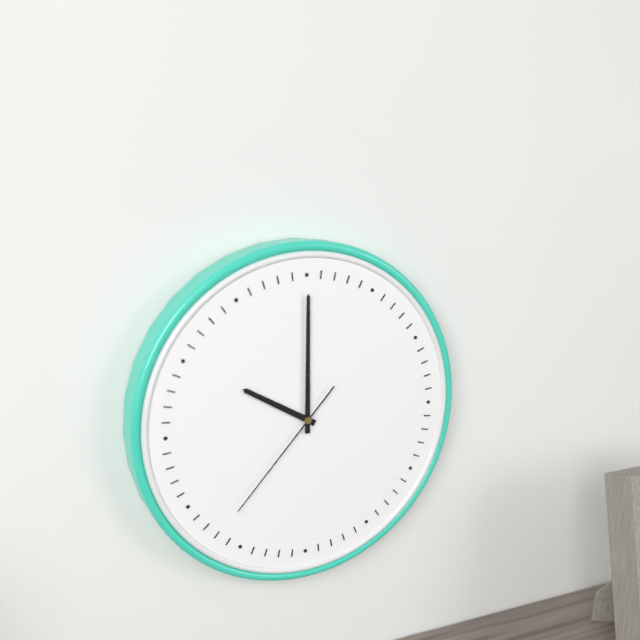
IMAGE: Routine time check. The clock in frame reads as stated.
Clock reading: 10:00:37
